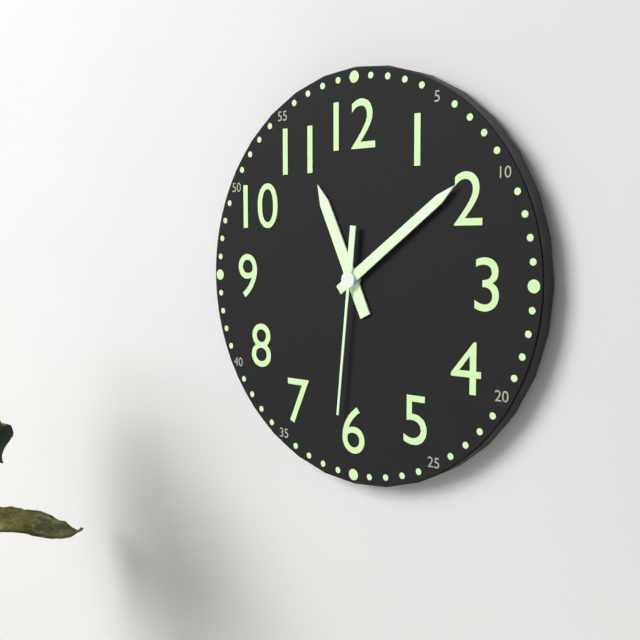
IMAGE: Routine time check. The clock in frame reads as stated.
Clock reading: 11:09:31
